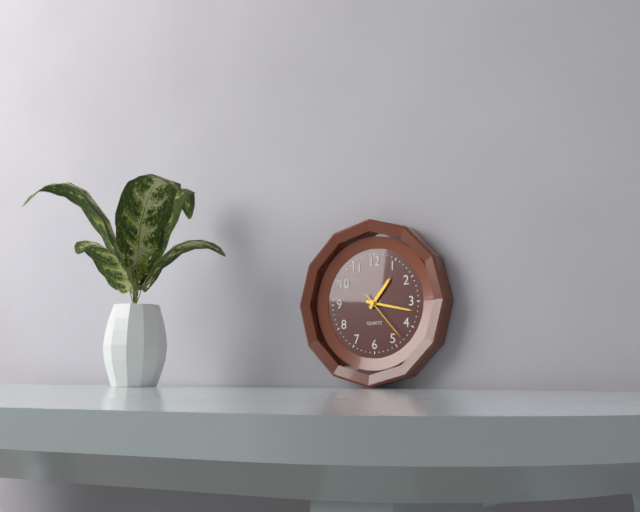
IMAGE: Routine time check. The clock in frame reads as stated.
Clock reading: 1:17:23
